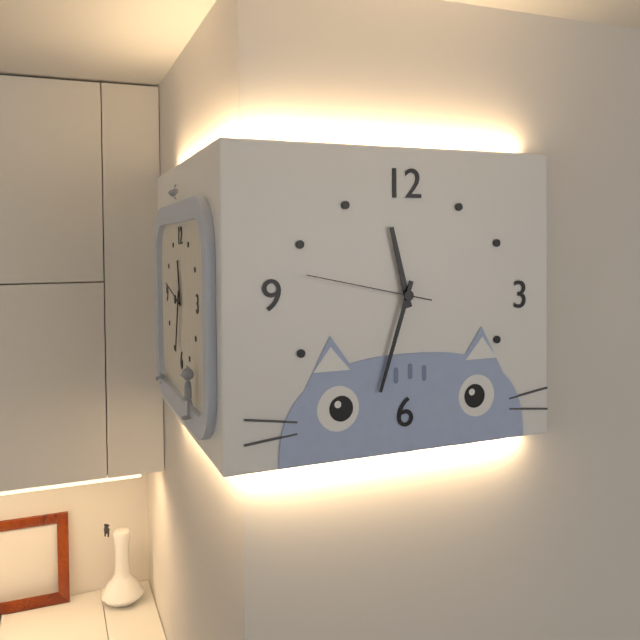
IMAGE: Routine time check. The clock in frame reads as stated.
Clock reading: 11:33:47
